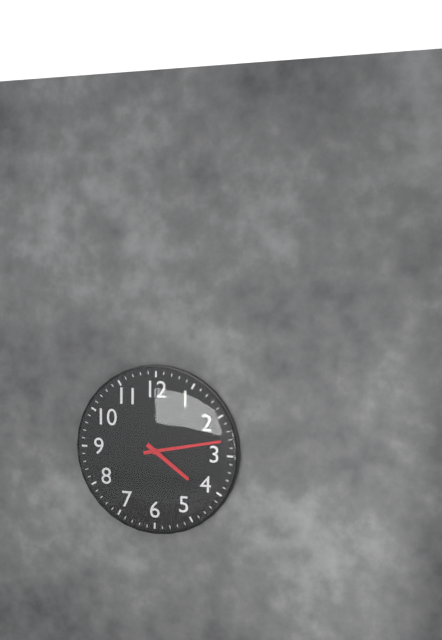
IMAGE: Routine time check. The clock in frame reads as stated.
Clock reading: 4:13
